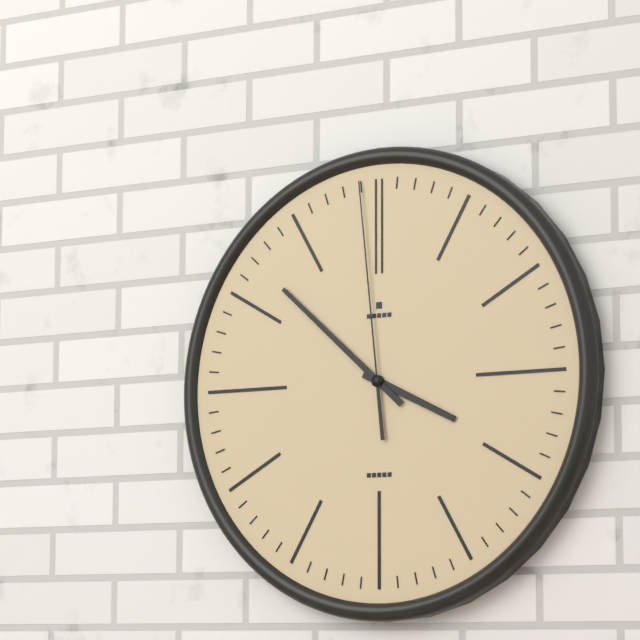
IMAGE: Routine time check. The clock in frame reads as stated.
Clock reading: 3:52:59
